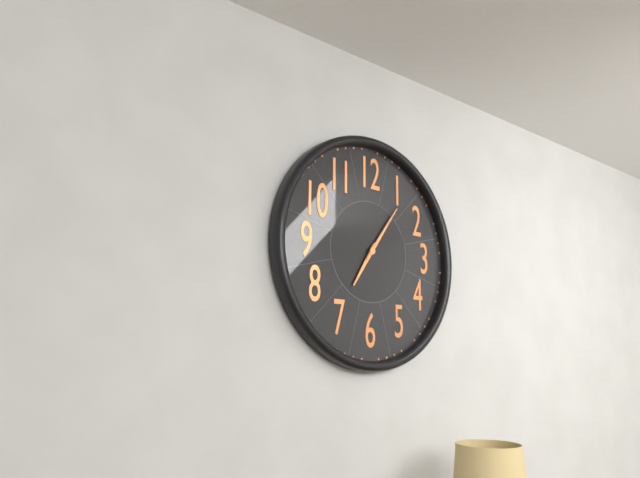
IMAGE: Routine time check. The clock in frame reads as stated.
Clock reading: 7:06
